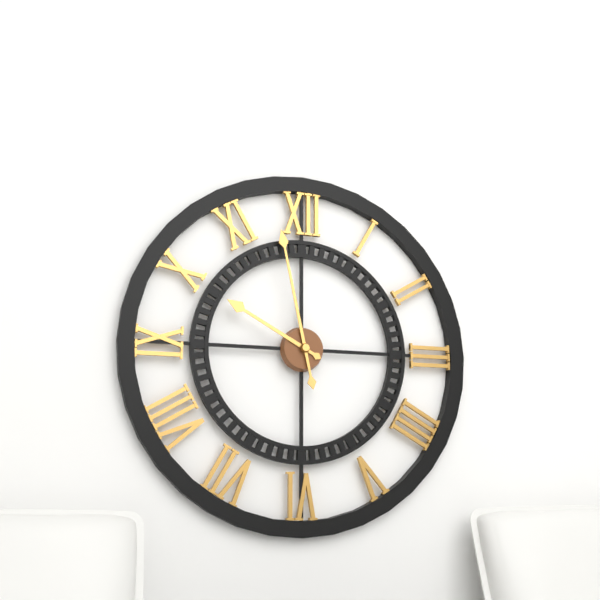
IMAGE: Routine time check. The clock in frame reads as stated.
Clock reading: 9:58
